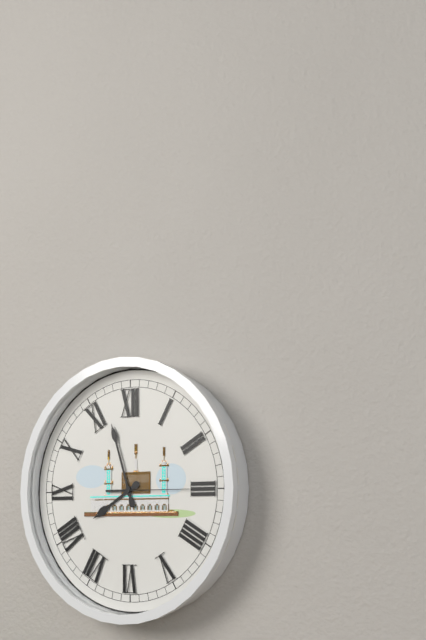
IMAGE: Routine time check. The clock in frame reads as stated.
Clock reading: 7:57:15
